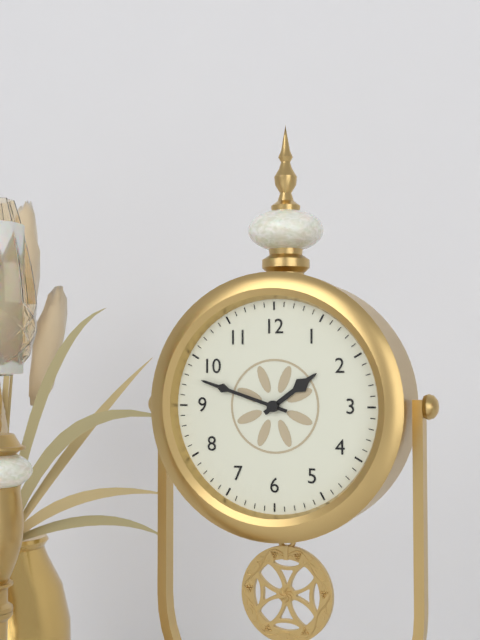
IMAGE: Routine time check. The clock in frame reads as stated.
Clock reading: 1:48
